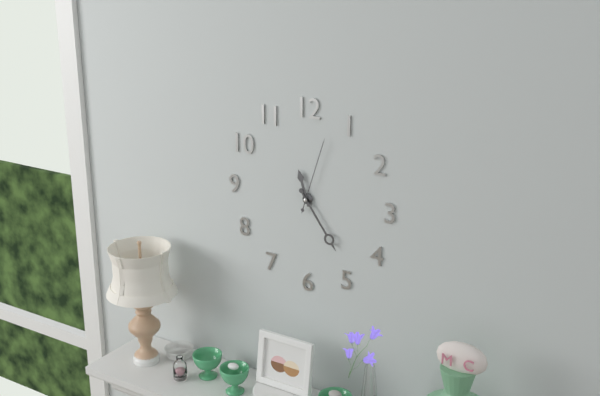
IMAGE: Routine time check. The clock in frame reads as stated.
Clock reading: 11:24:03
